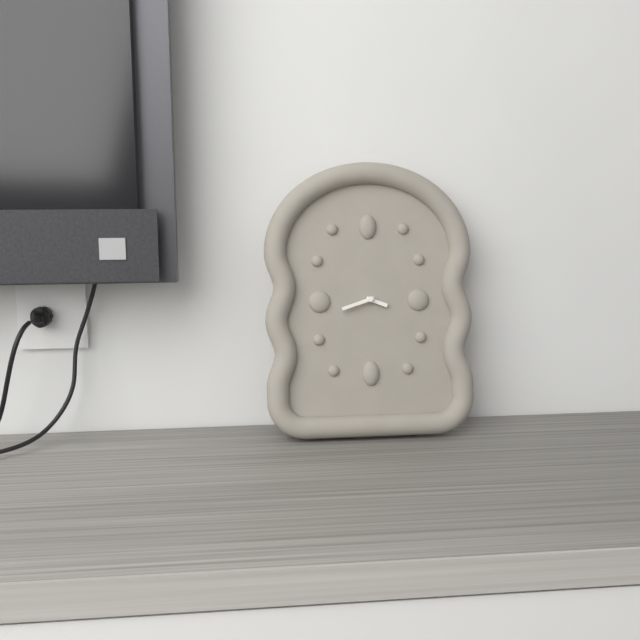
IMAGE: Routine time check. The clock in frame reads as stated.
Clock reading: 3:42
